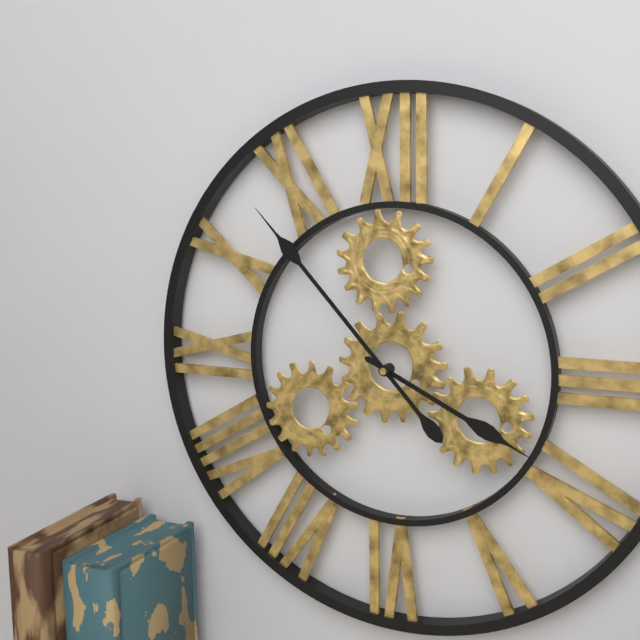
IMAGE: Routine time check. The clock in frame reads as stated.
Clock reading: 3:53
